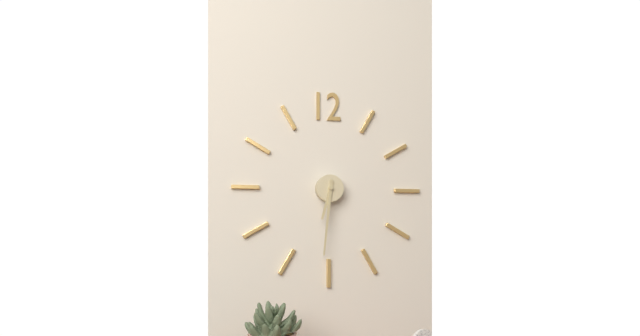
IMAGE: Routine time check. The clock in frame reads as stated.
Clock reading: 6:31
